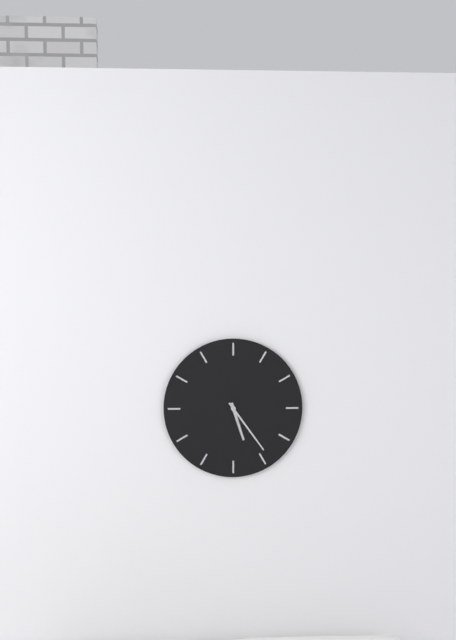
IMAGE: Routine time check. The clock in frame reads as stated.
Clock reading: 5:24
